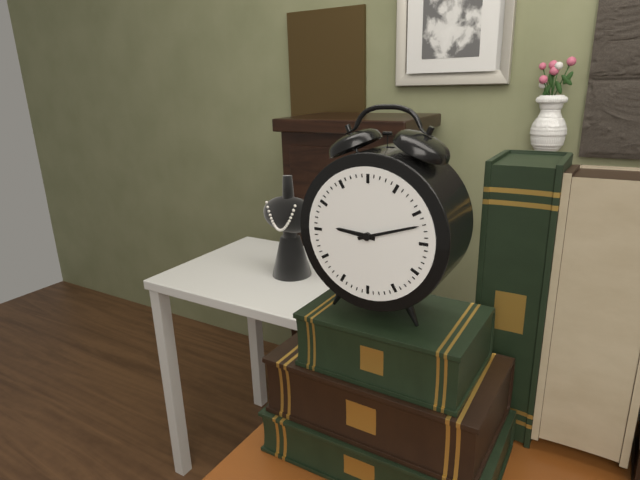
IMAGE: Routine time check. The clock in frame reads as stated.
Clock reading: 9:12
